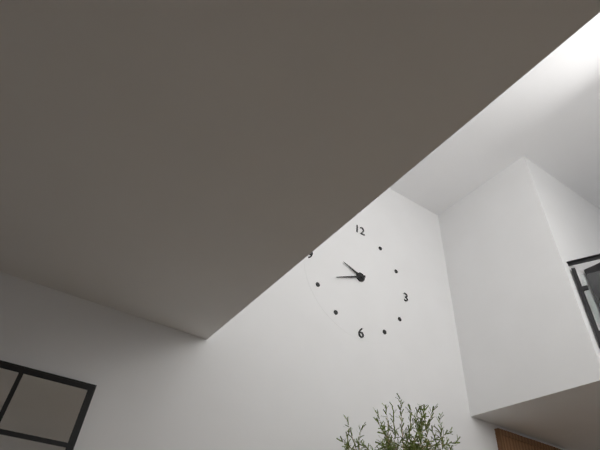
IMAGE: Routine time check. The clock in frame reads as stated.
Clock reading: 9:41
